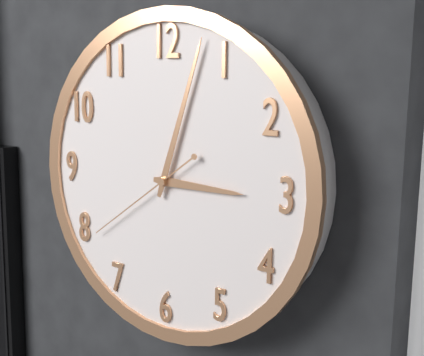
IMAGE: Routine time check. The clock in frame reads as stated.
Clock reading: 3:03:39
